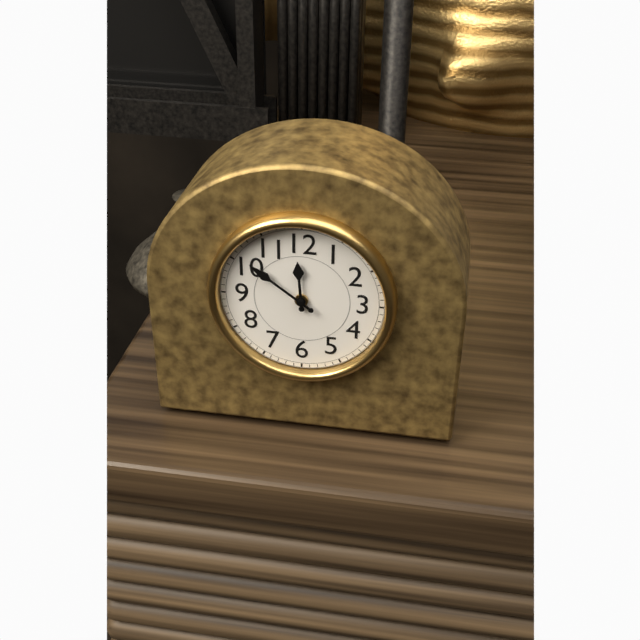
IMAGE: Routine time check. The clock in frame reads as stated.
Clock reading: 11:51
